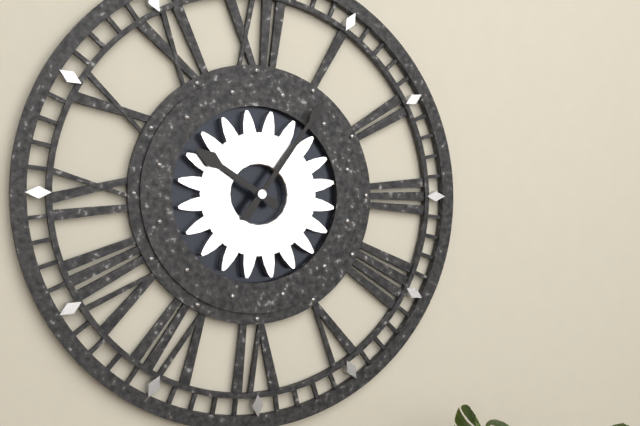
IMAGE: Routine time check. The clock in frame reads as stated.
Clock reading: 10:06
